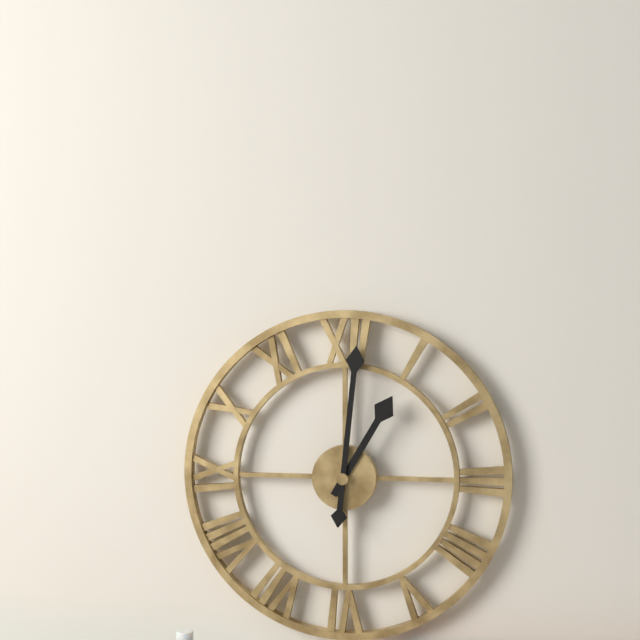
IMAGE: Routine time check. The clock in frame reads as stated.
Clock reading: 1:01
